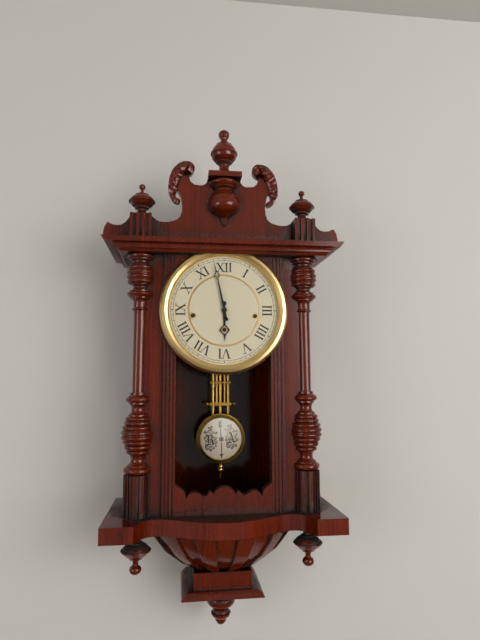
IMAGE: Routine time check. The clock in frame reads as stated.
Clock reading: 5:58
